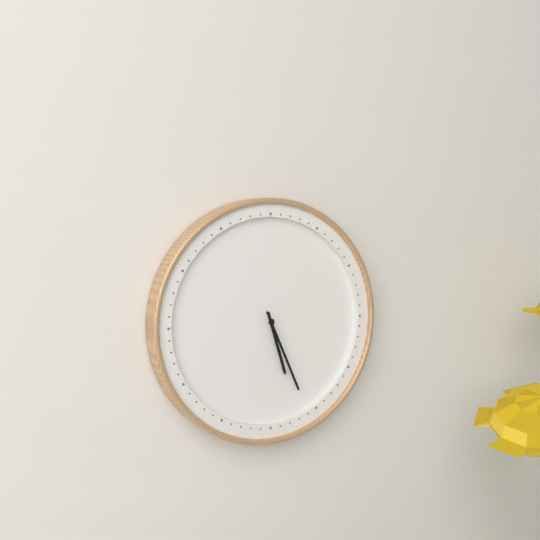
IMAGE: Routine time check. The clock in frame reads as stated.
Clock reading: 5:26
